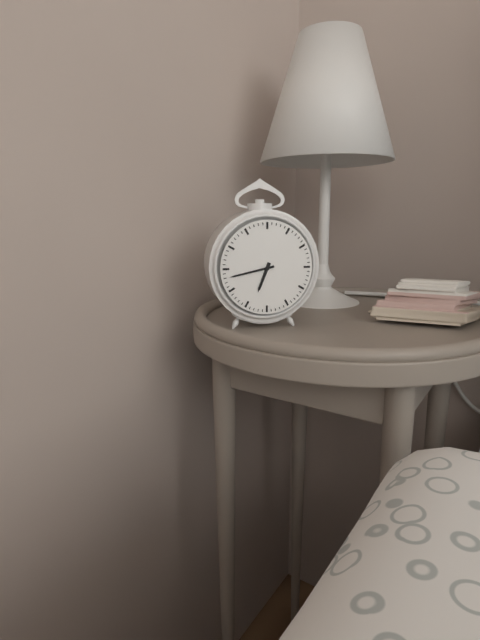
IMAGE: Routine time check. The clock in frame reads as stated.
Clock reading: 6:43
